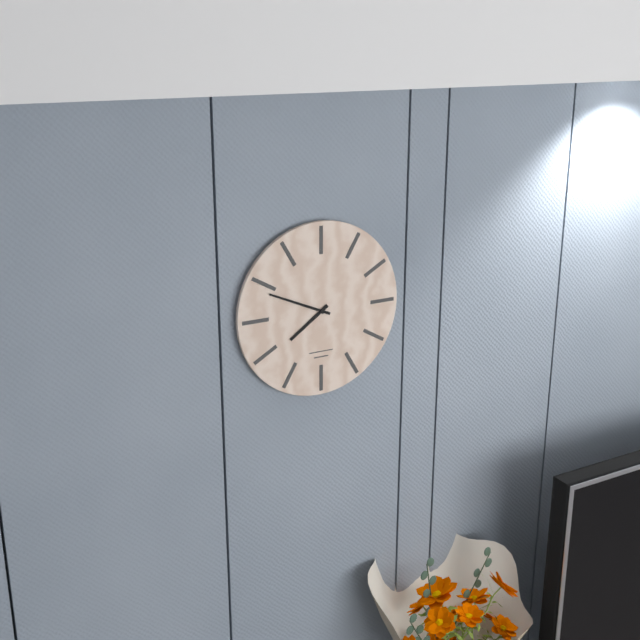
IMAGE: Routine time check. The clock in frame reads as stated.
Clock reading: 7:49
